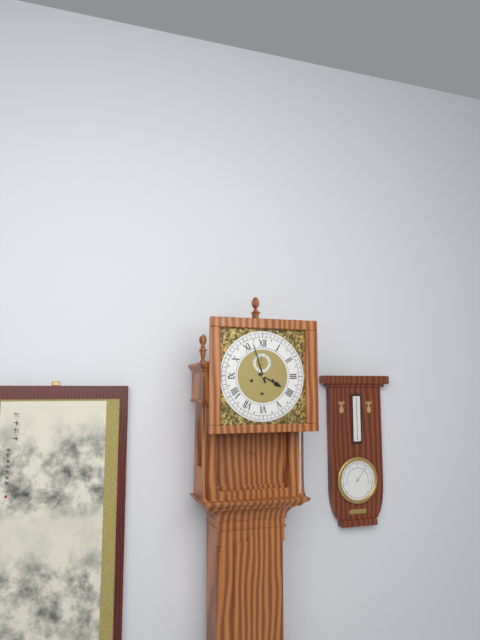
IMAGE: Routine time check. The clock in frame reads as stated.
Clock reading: 3:57
